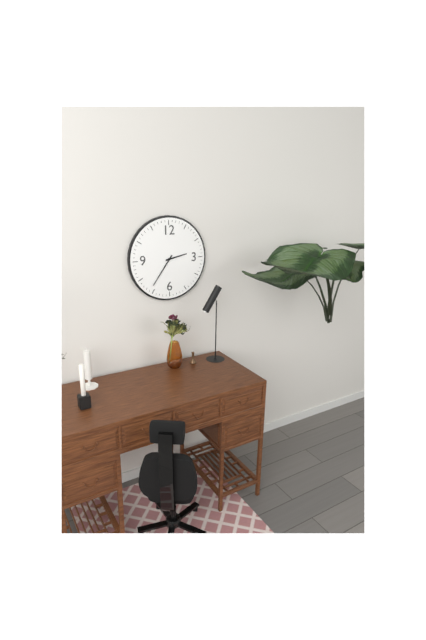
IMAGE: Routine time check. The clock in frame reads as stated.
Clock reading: 2:36
